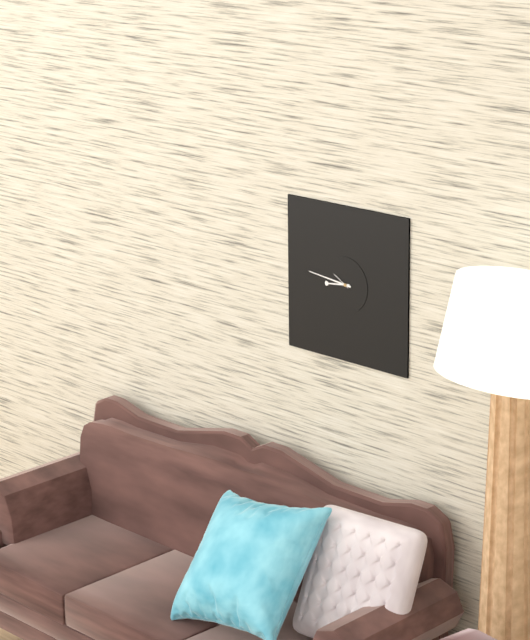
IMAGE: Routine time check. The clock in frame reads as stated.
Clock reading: 8:46
